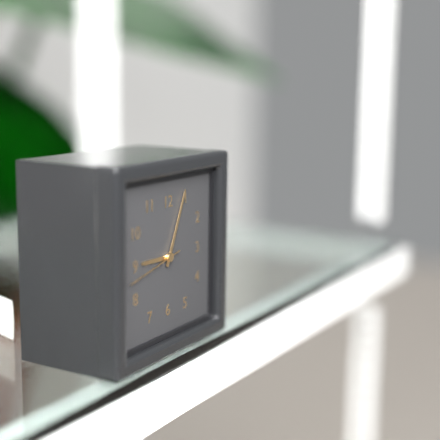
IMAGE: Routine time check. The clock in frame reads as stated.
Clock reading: 9:04:43
